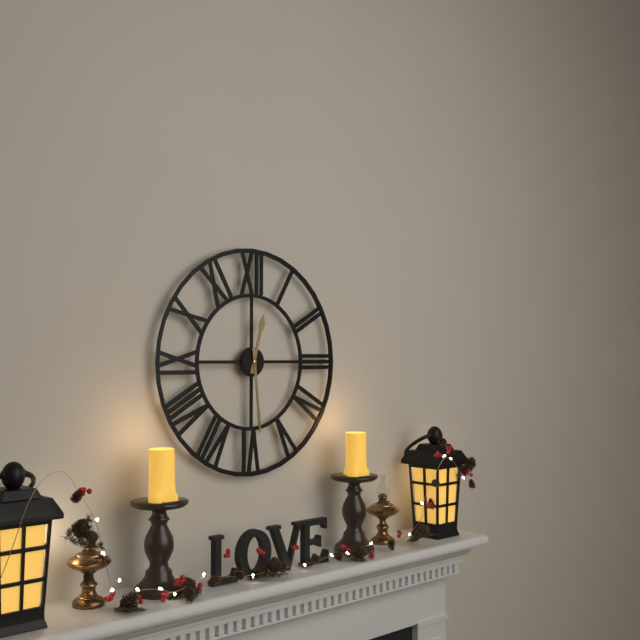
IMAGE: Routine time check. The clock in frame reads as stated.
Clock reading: 12:29
